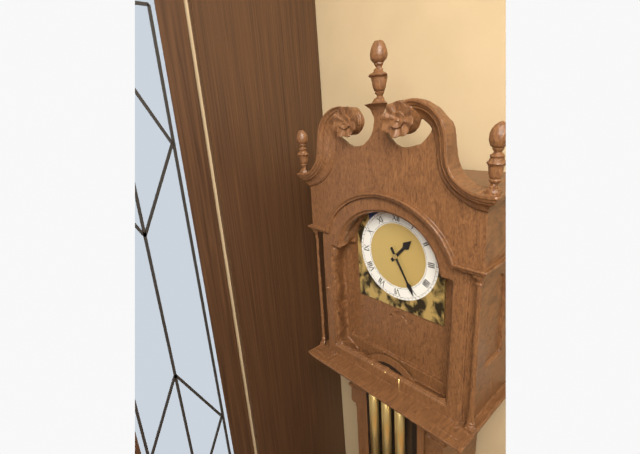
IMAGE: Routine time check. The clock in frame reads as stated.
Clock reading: 1:25
